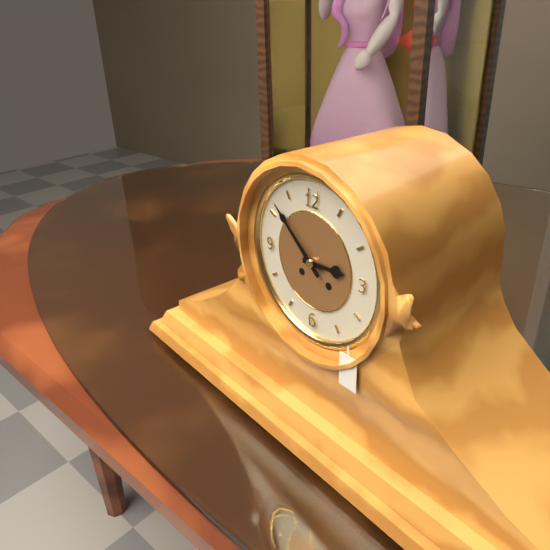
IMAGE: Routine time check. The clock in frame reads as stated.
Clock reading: 2:52
